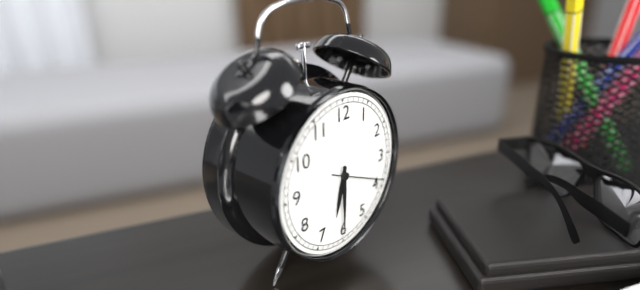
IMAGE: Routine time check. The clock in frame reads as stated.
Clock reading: 6:30
